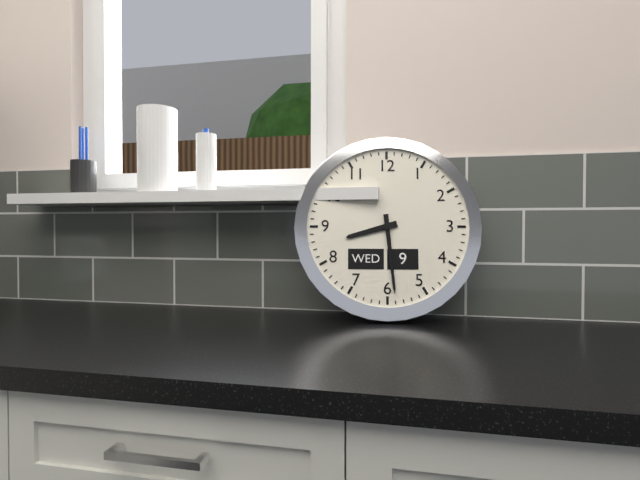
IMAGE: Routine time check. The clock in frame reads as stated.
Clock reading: 8:29
